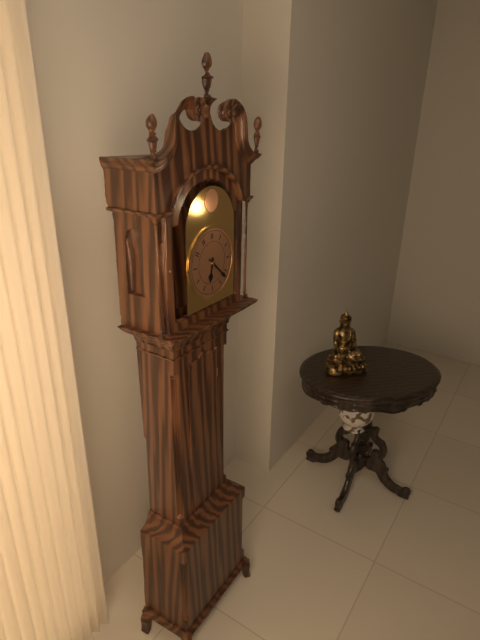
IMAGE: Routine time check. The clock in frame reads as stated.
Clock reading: 6:22
